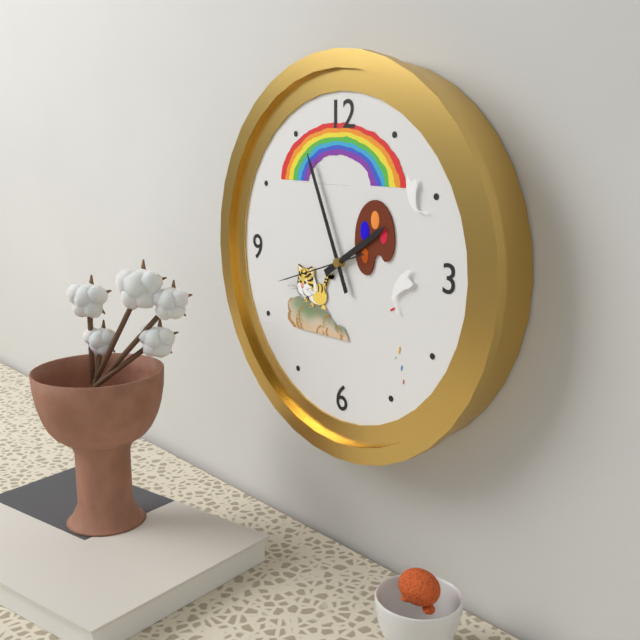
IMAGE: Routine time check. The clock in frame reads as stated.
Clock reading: 1:56:42
